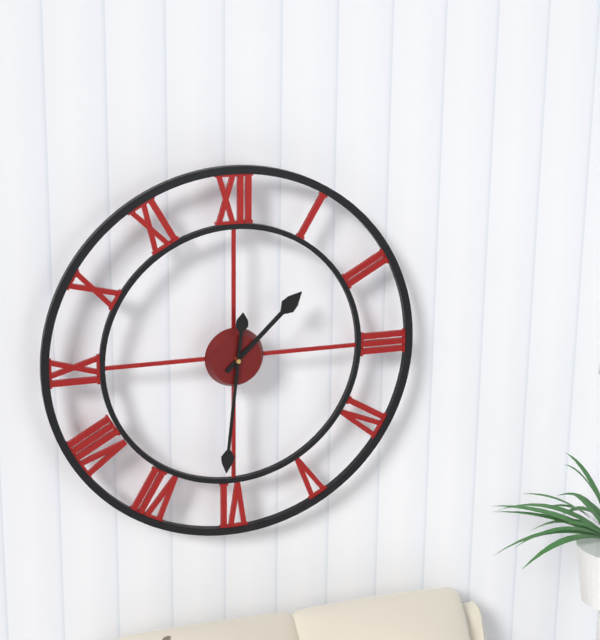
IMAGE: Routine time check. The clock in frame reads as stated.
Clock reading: 1:31
